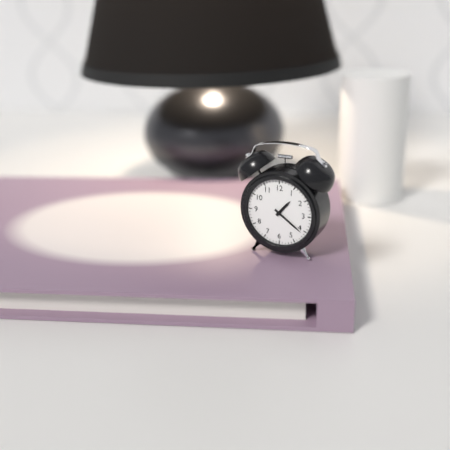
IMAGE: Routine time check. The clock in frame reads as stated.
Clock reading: 1:21
